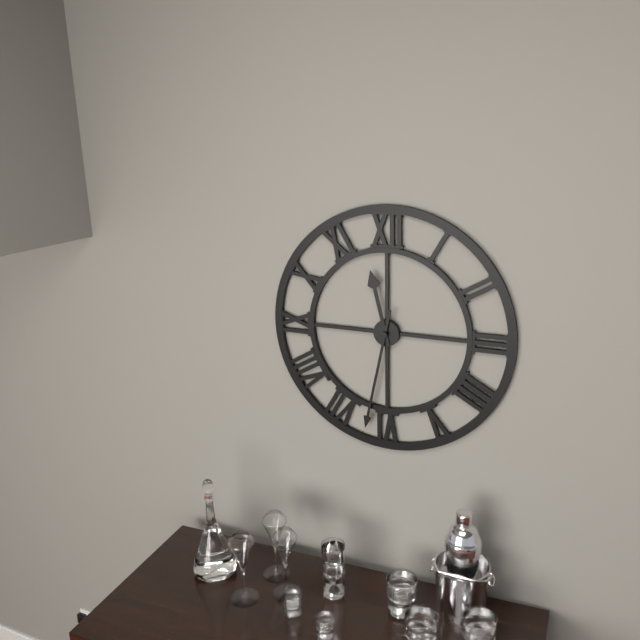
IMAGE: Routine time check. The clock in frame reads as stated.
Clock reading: 11:32
